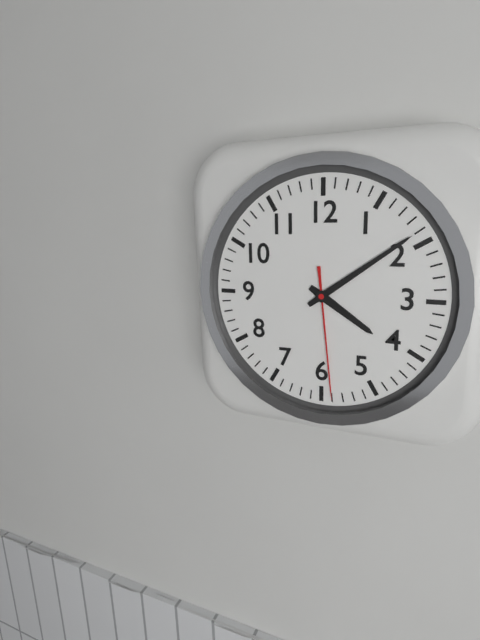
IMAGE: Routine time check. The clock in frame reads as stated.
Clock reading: 4:09:29
